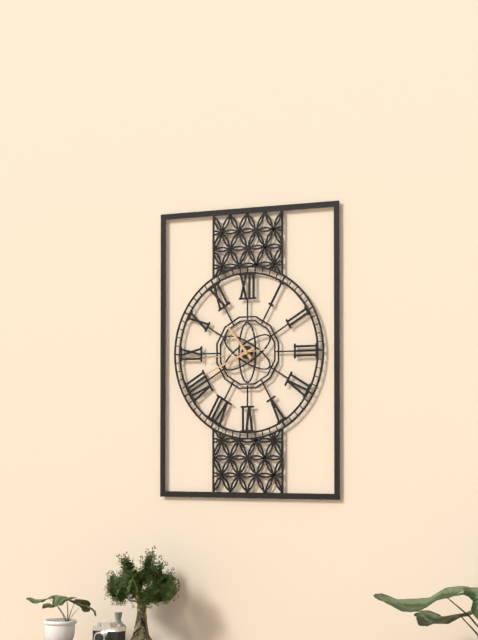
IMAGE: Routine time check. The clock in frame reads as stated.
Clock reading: 10:41:44
